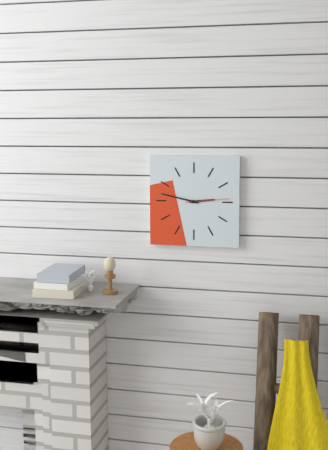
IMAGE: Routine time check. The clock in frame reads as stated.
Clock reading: 2:47
